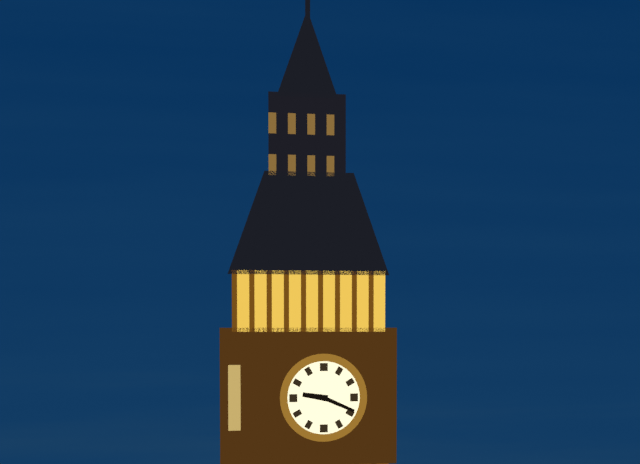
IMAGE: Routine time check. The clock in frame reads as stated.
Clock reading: 9:19
